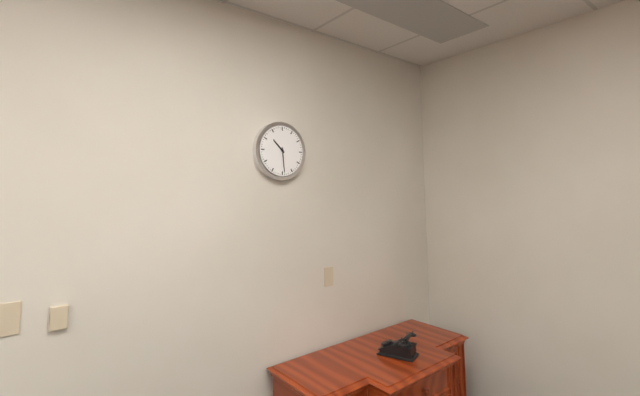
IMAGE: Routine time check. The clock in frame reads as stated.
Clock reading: 10:29
